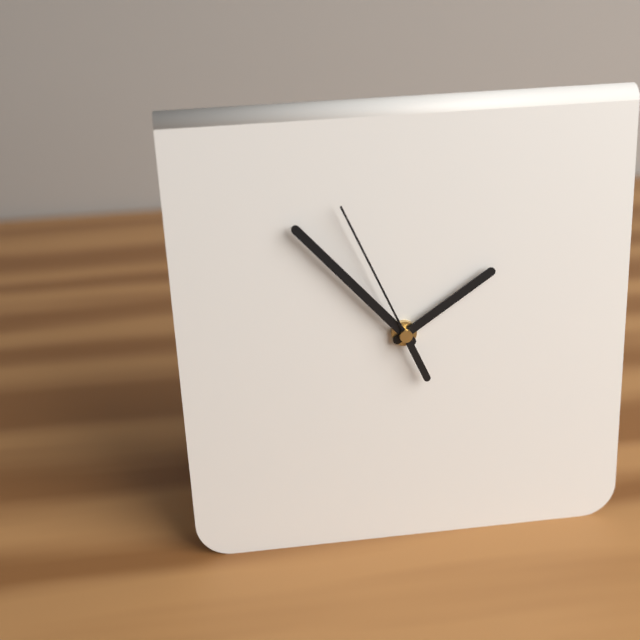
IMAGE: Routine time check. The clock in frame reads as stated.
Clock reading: 1:53:56
